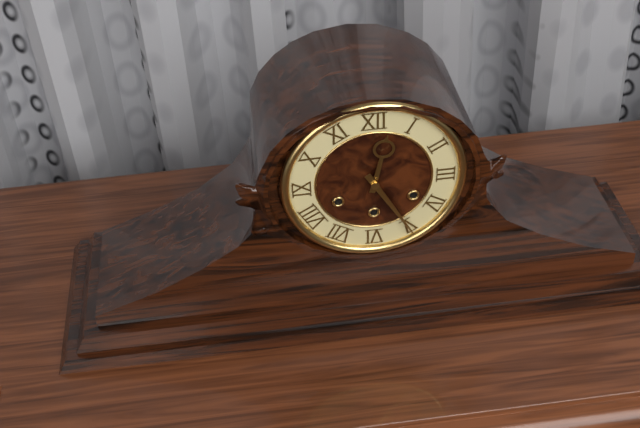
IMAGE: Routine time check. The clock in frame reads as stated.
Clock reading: 12:25
